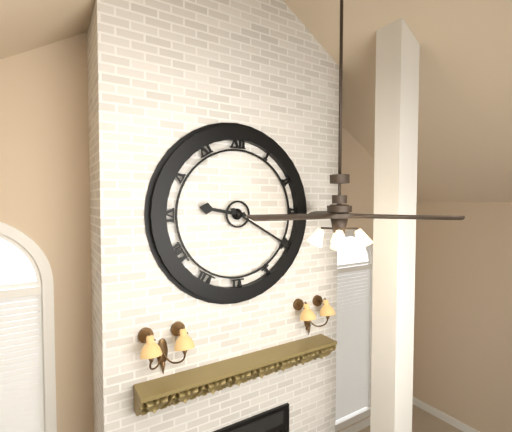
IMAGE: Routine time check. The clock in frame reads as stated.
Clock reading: 9:20
